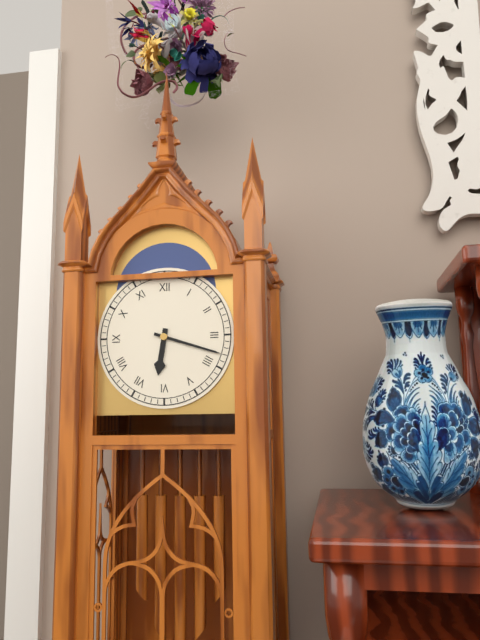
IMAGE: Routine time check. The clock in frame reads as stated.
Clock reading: 6:18
